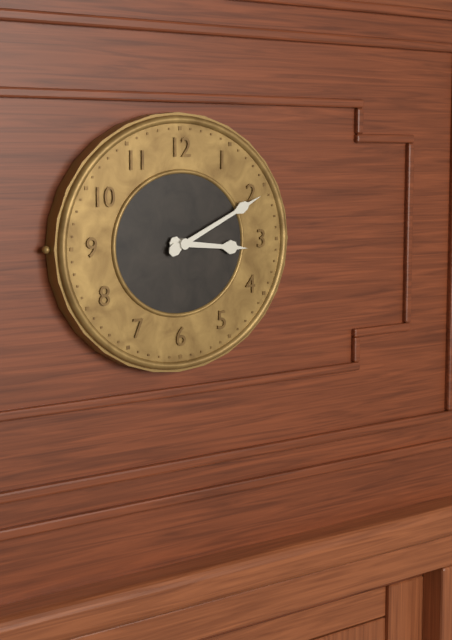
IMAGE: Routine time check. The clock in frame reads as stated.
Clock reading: 3:11
